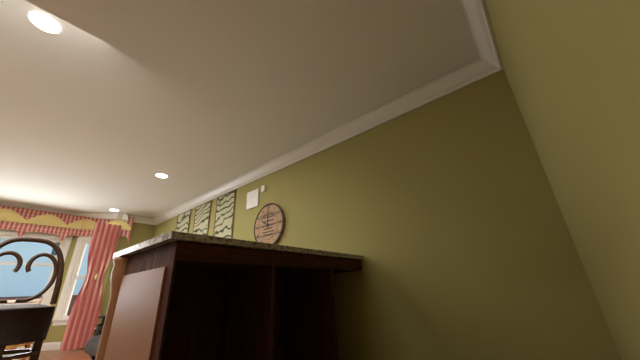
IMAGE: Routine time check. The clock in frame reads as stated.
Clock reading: 10:00
